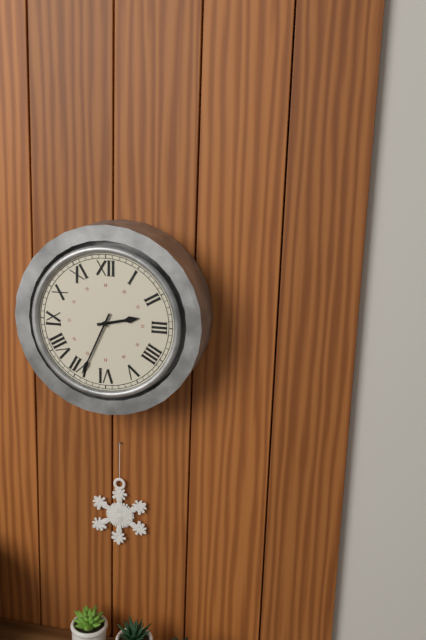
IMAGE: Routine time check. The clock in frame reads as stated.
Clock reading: 2:34
